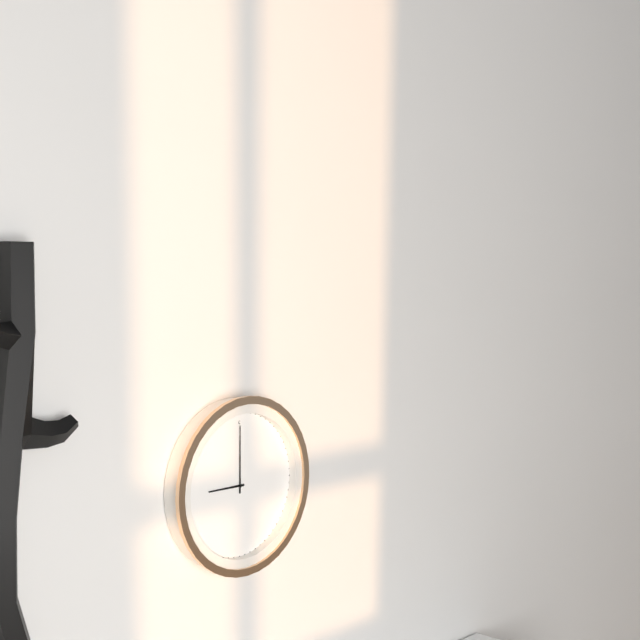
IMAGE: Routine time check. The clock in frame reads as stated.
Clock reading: 9:00
